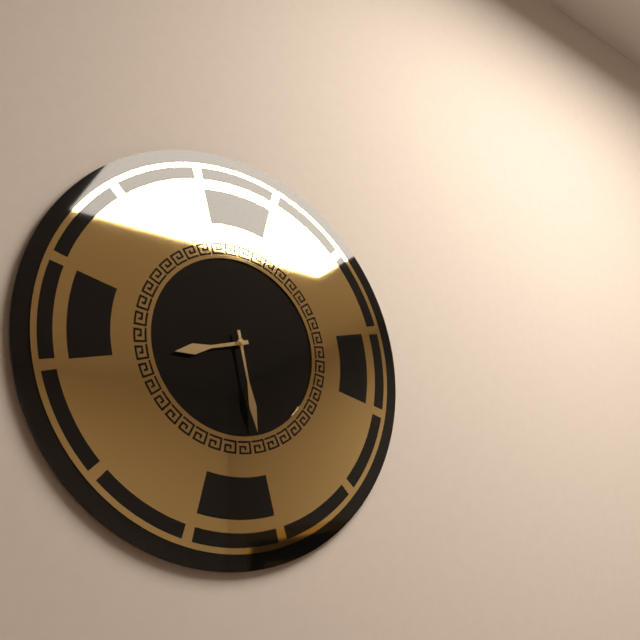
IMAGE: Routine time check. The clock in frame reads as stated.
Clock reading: 8:28
